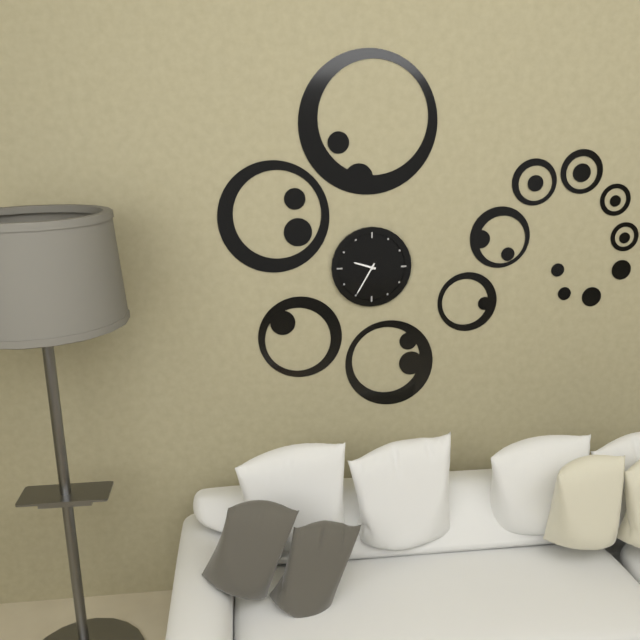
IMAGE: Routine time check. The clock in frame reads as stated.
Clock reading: 9:35
